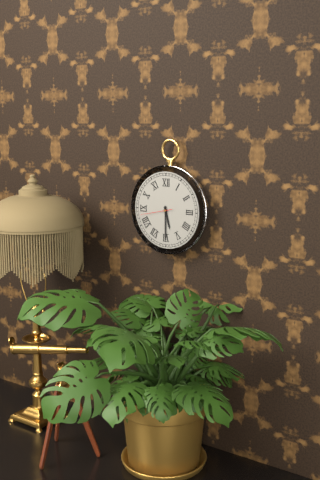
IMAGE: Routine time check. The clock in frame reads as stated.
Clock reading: 5:30
